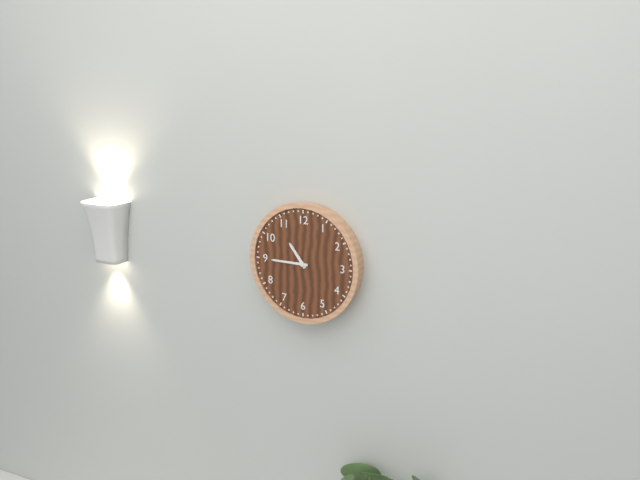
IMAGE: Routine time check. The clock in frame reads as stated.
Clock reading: 10:45
